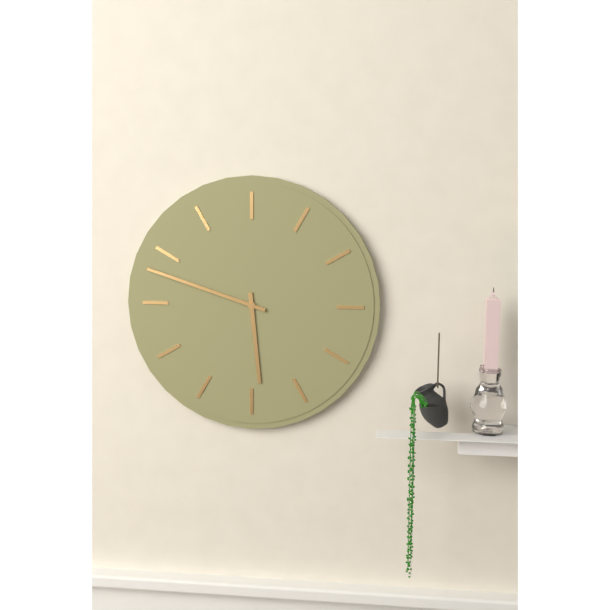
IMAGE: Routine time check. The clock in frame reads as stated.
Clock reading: 5:48
